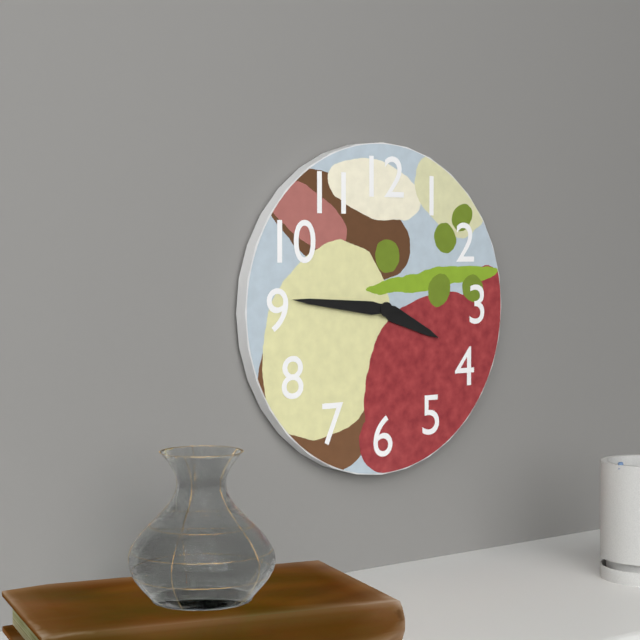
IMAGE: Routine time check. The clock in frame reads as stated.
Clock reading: 3:46
